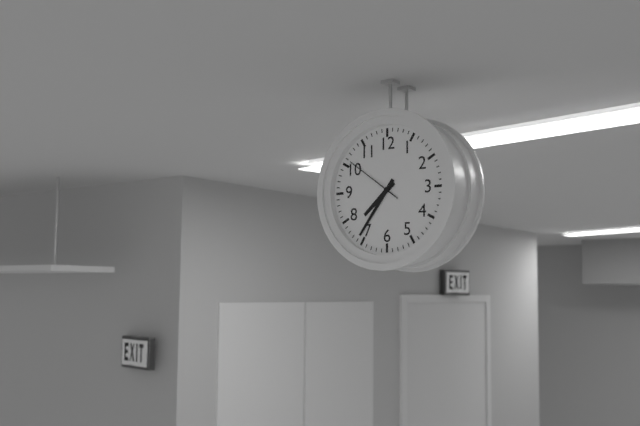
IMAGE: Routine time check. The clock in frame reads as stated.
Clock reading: 7:36:51
